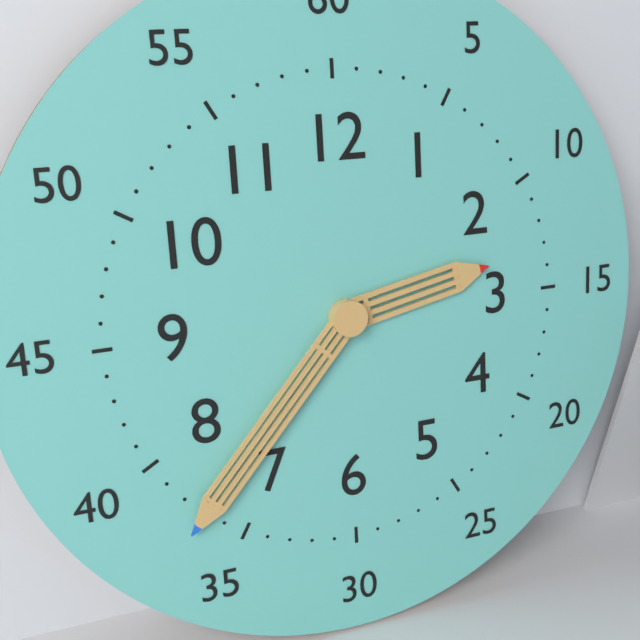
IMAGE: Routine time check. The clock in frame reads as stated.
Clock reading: 2:37
